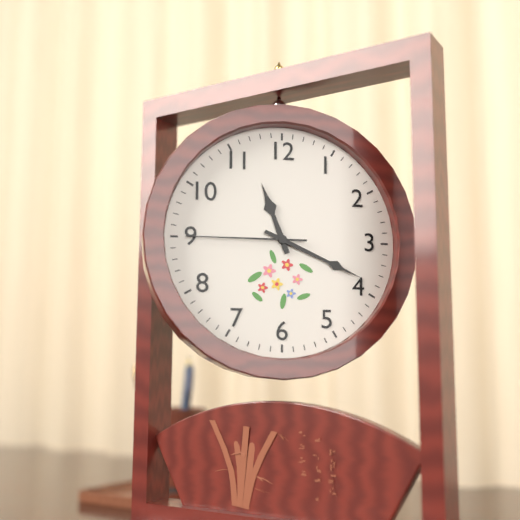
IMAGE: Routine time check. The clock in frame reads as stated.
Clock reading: 11:19:45
